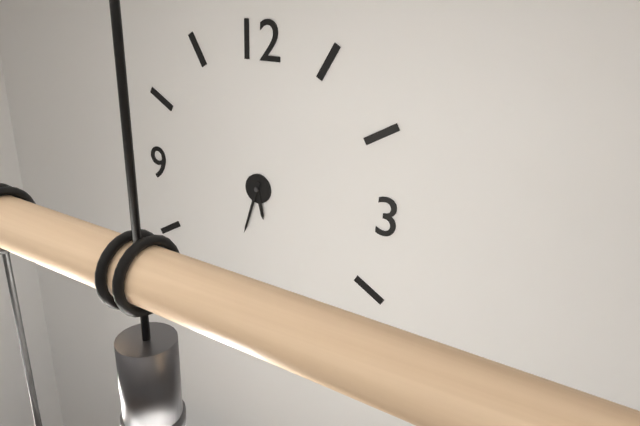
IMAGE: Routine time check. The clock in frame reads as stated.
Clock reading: 5:33
